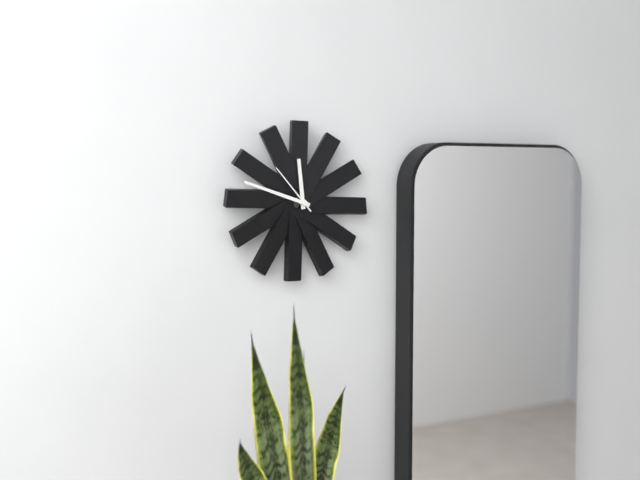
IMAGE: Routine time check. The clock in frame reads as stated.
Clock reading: 11:48:53
